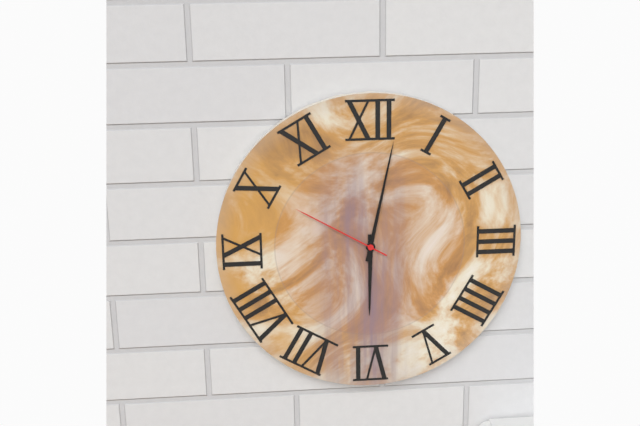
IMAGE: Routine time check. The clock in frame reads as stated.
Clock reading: 6:02:50
